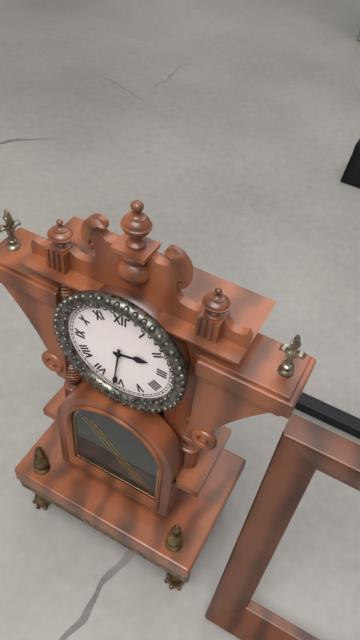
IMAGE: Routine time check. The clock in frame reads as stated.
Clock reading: 2:31
